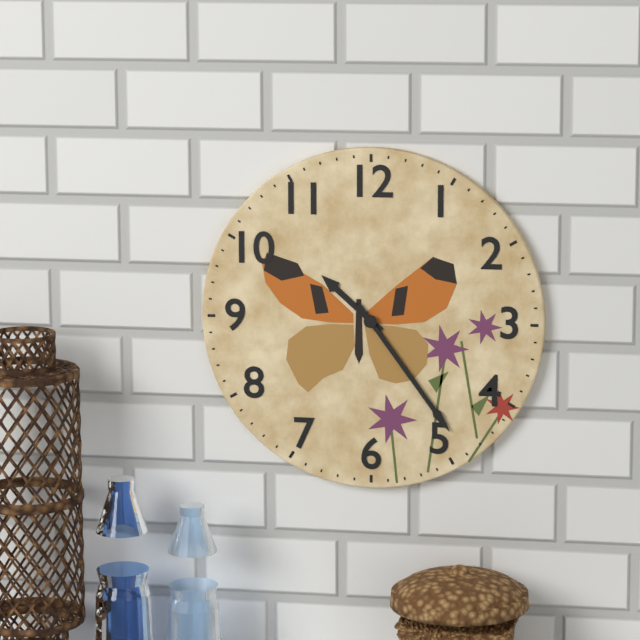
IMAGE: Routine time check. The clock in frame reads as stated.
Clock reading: 10:24
